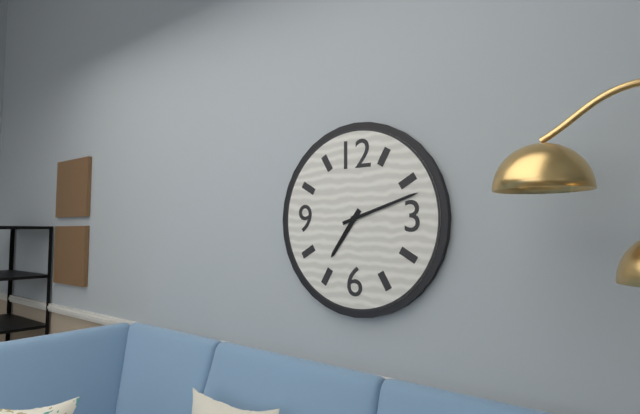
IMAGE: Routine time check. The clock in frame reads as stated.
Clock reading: 7:12
